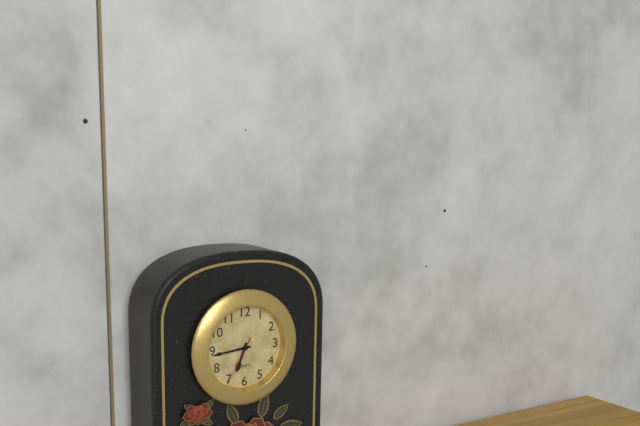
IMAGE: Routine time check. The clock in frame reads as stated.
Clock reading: 6:44:35
